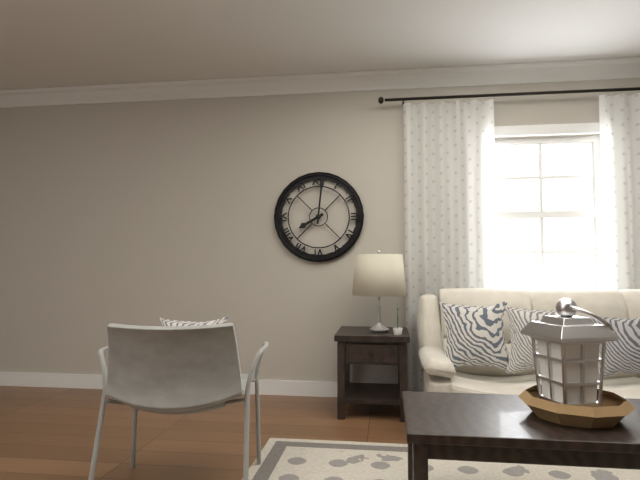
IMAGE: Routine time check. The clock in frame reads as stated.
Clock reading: 8:01
